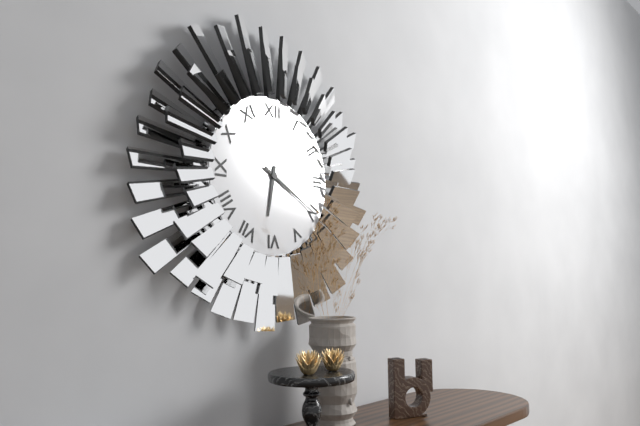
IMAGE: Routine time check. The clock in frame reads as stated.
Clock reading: 6:20
